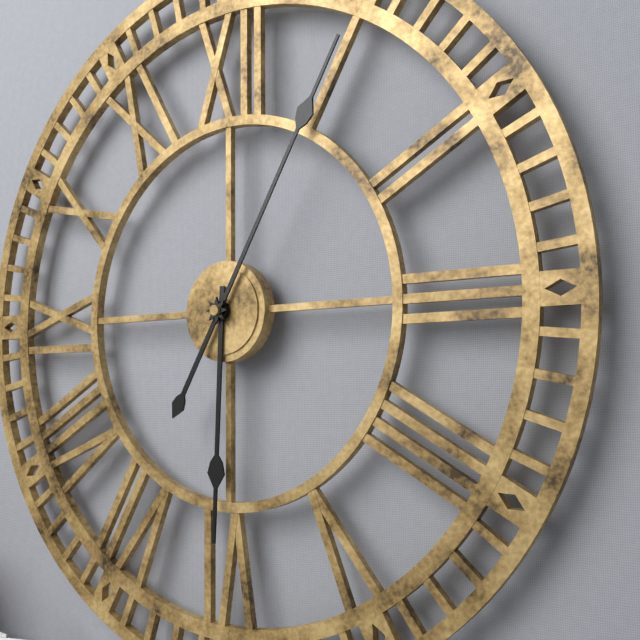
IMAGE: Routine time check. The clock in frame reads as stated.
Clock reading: 6:05
